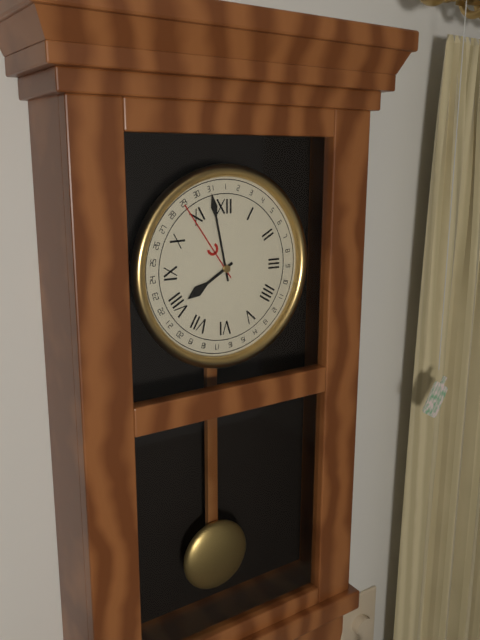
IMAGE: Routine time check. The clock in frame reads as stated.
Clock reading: 7:58
